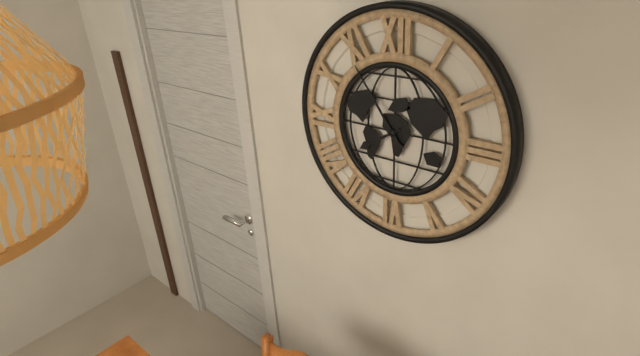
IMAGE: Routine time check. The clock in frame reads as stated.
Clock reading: 7:54
